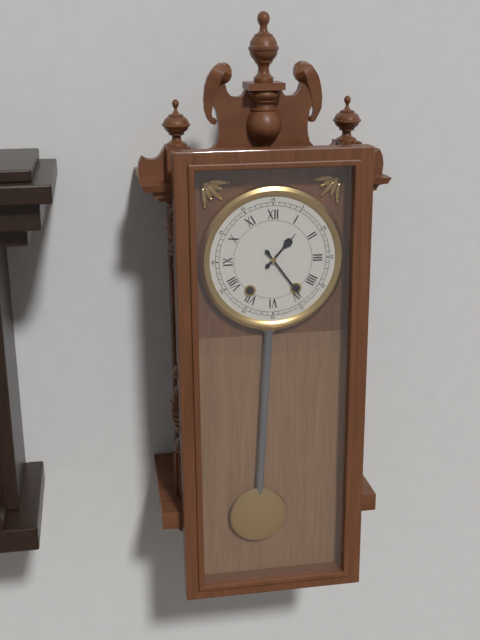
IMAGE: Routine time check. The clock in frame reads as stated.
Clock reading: 1:24
